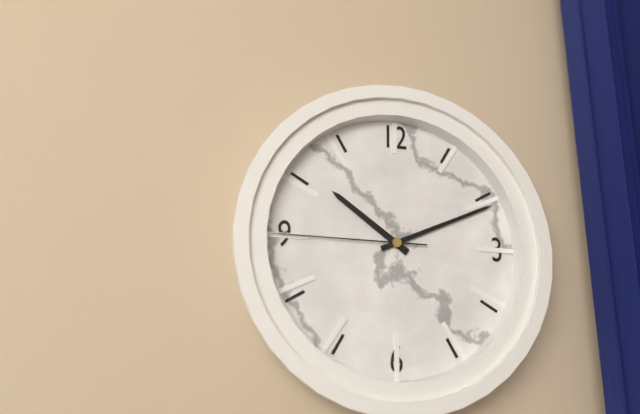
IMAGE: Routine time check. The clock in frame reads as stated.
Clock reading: 10:11:45
